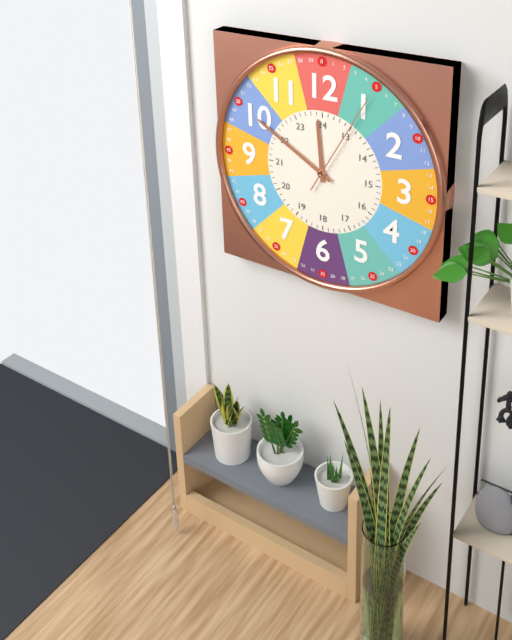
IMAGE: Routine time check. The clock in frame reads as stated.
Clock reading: 11:50:05
